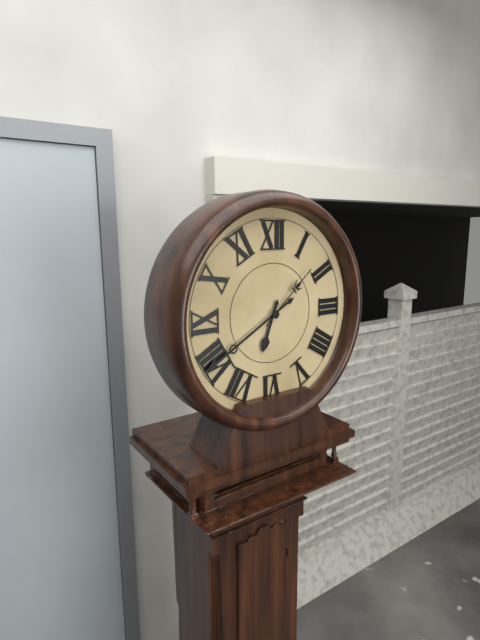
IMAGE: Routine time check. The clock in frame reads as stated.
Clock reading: 6:40:08
